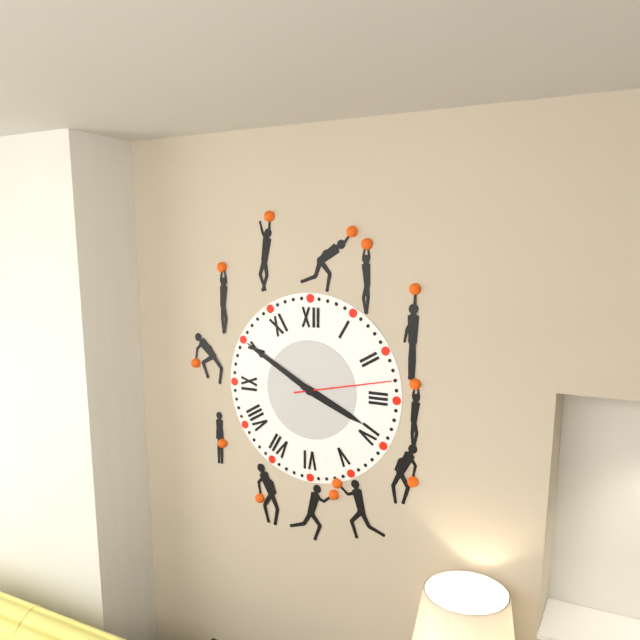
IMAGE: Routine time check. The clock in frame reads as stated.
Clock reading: 3:50:13
